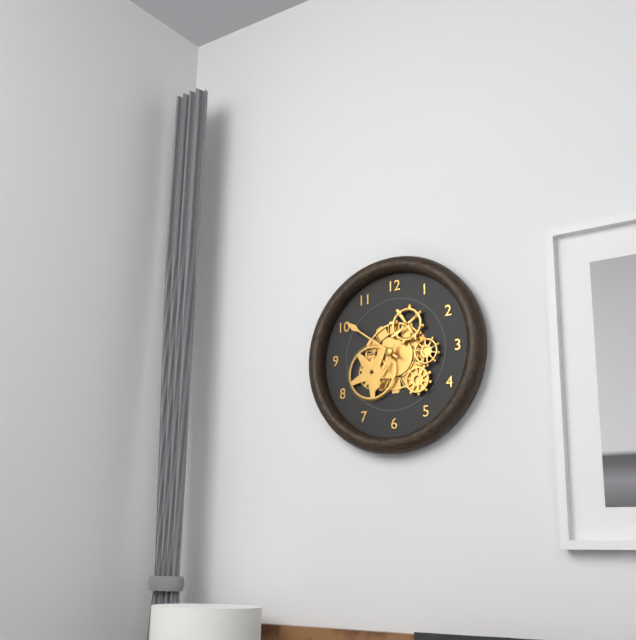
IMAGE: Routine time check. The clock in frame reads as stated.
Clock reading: 6:51
